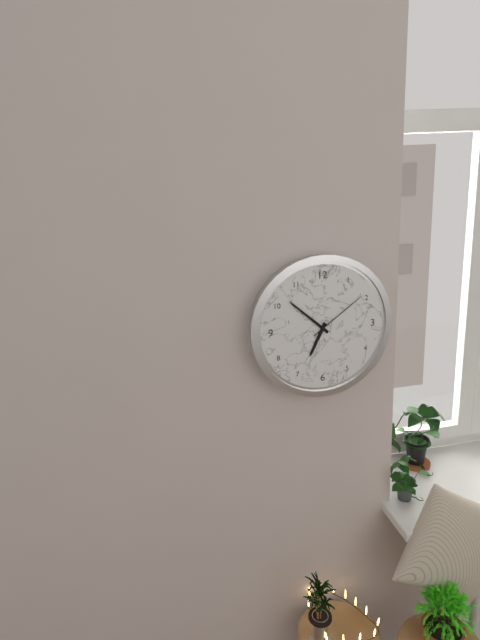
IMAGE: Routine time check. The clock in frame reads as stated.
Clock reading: 6:52:09
